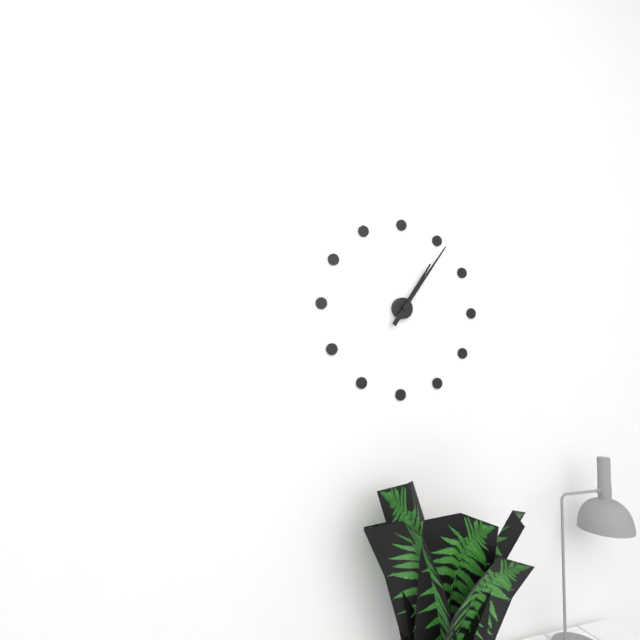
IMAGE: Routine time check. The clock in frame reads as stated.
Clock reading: 1:06
